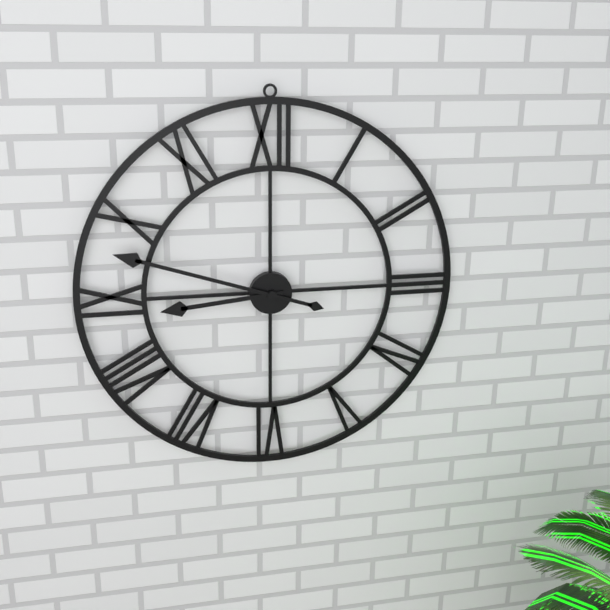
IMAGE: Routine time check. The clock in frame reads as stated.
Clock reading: 8:48
